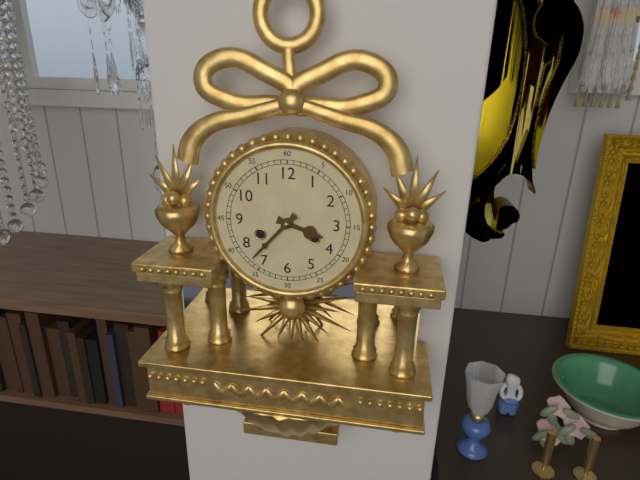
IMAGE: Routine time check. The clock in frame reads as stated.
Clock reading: 3:37
